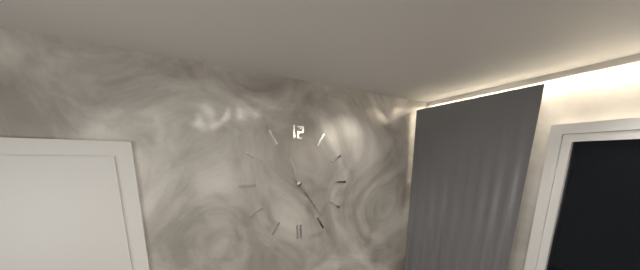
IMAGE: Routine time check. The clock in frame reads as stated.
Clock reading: 11:24
